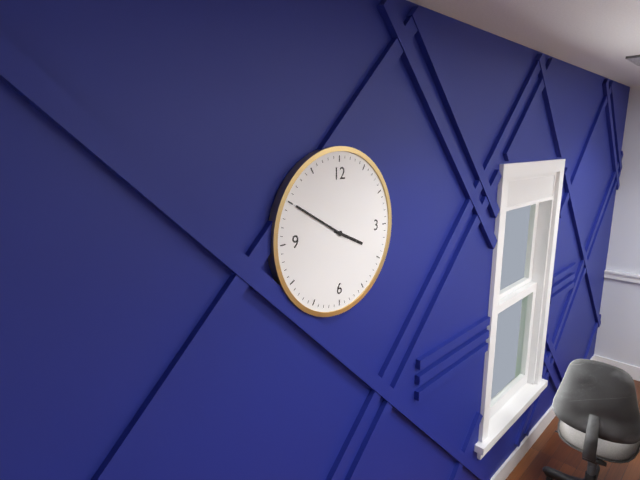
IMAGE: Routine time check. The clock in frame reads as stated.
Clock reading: 3:50
